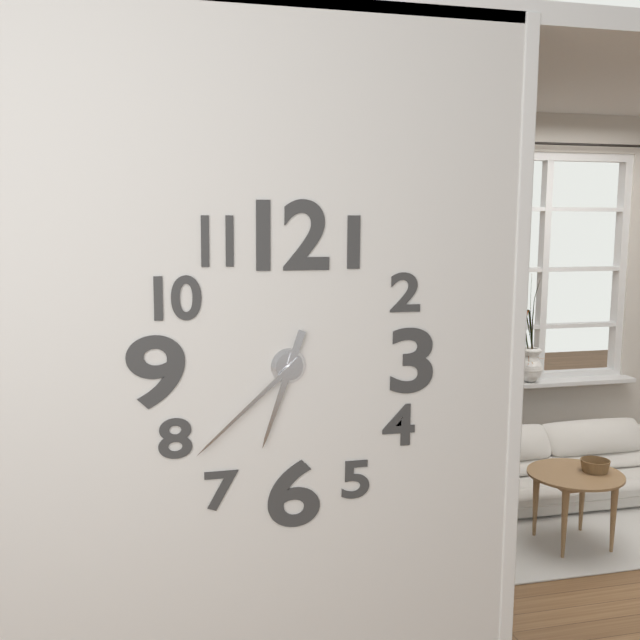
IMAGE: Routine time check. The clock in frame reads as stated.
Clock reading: 6:38
